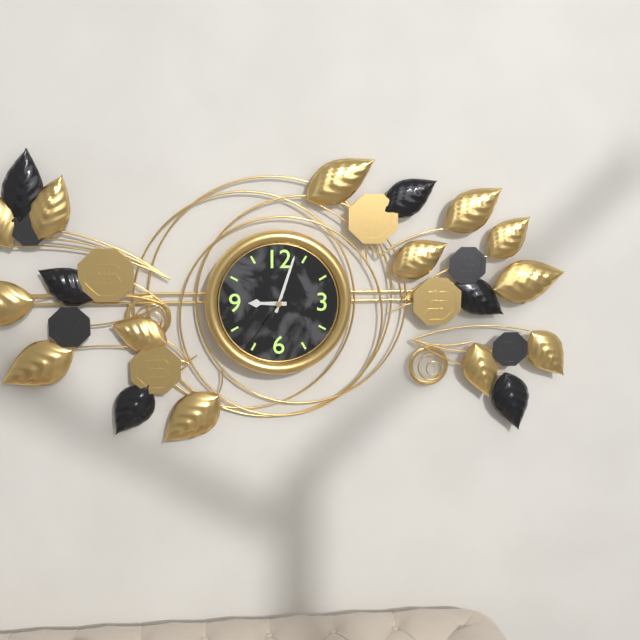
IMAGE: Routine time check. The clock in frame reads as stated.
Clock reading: 9:03:36
